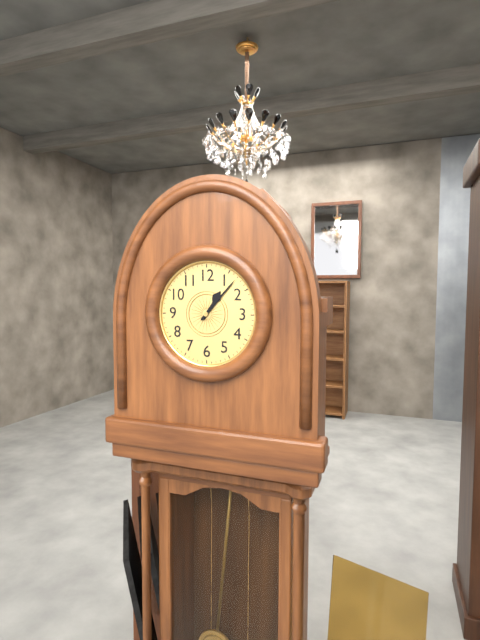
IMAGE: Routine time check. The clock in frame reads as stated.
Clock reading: 1:07
